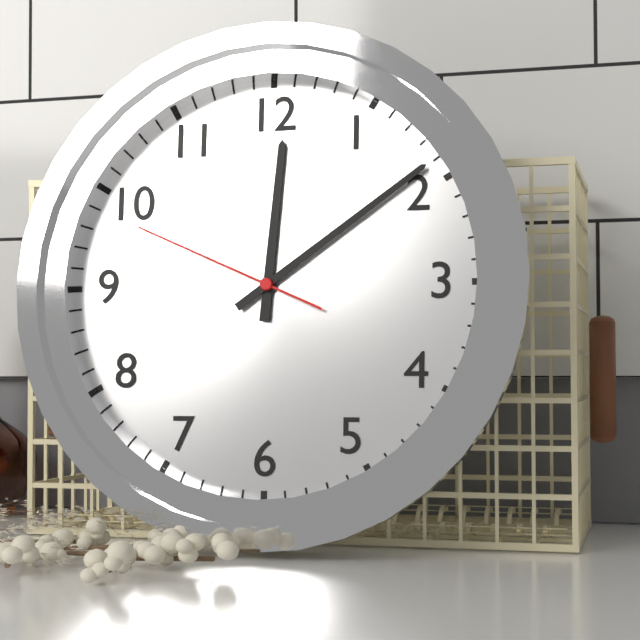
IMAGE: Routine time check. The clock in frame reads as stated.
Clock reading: 12:09:49
